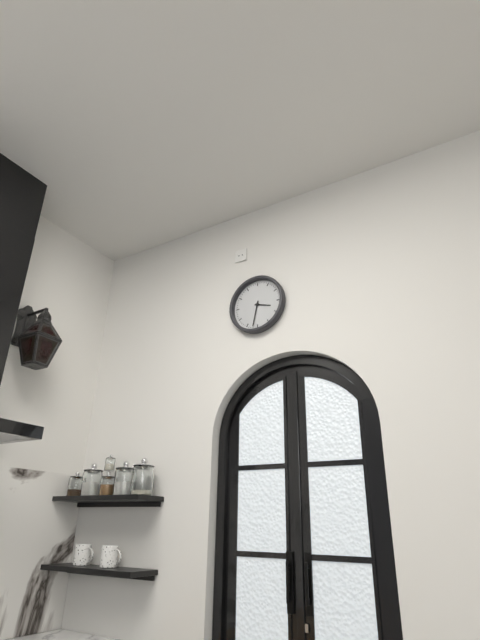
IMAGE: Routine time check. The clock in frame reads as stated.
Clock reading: 3:32
